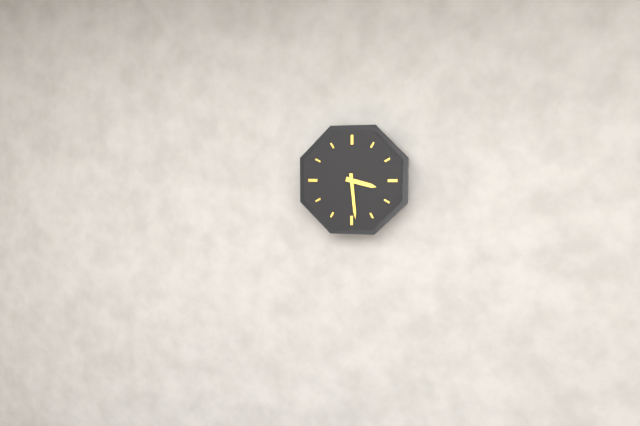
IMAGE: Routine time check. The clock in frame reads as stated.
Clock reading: 3:29
